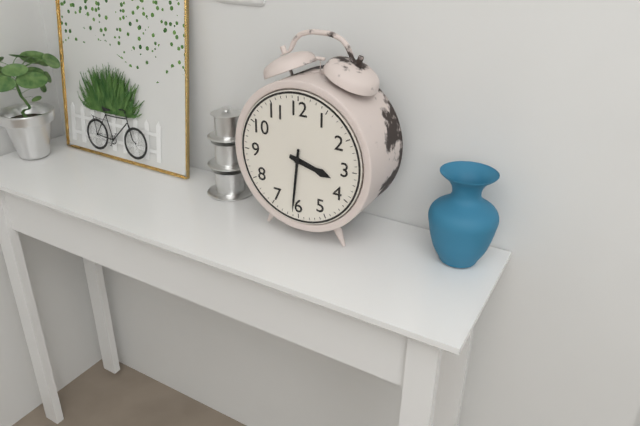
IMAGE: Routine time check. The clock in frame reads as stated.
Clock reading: 3:31
